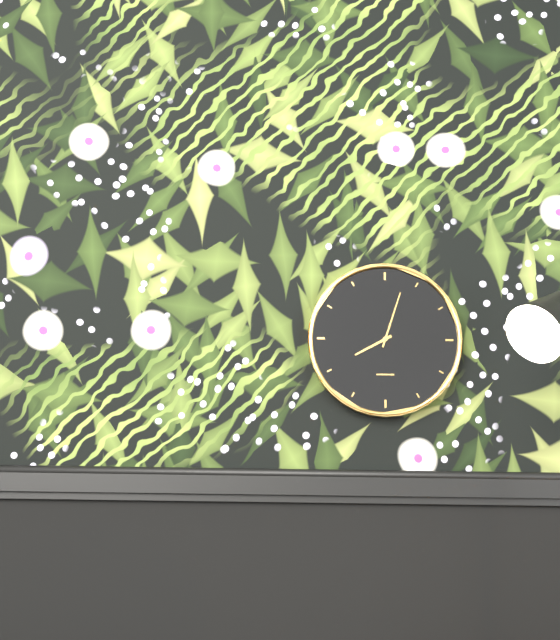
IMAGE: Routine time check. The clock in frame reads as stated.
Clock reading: 8:03
